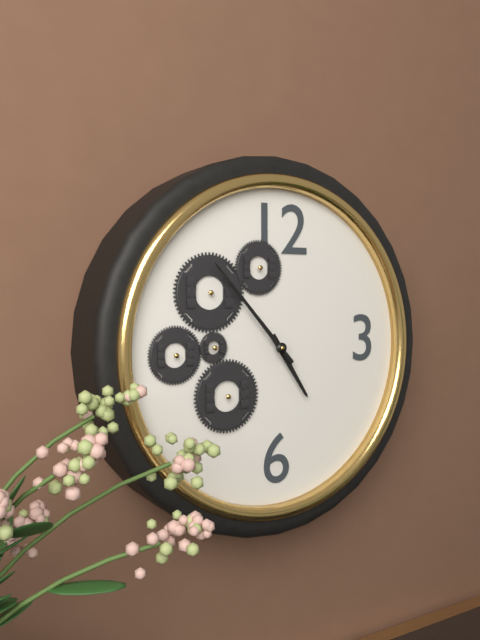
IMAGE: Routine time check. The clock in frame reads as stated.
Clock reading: 4:53
